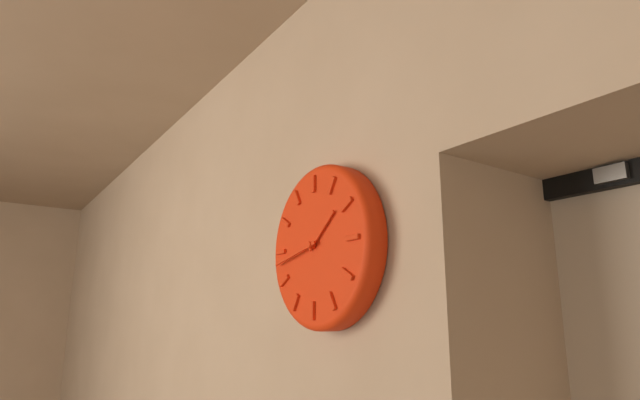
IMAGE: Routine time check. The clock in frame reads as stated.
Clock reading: 1:43
